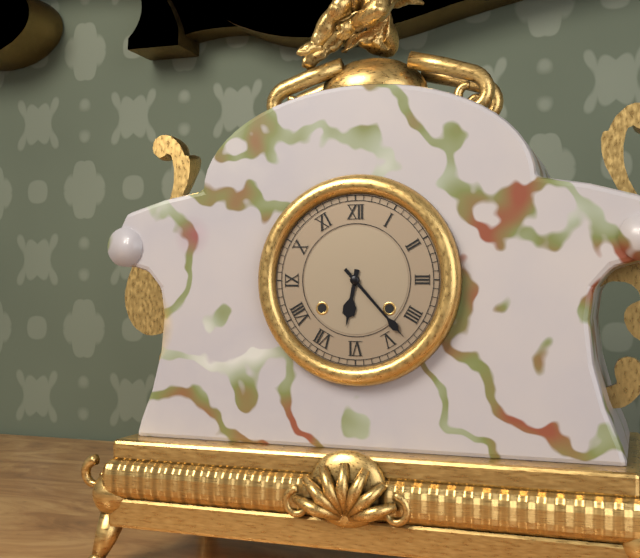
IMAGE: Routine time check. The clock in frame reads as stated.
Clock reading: 6:23
